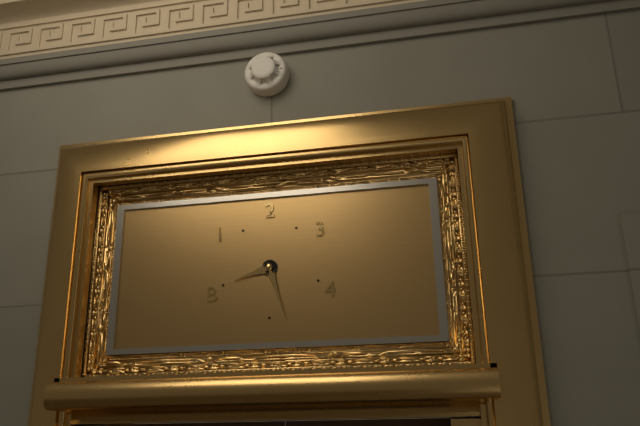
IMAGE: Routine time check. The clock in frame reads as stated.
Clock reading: 8:27
